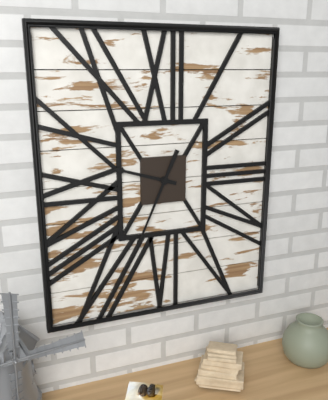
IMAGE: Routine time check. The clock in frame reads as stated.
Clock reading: 9:34
